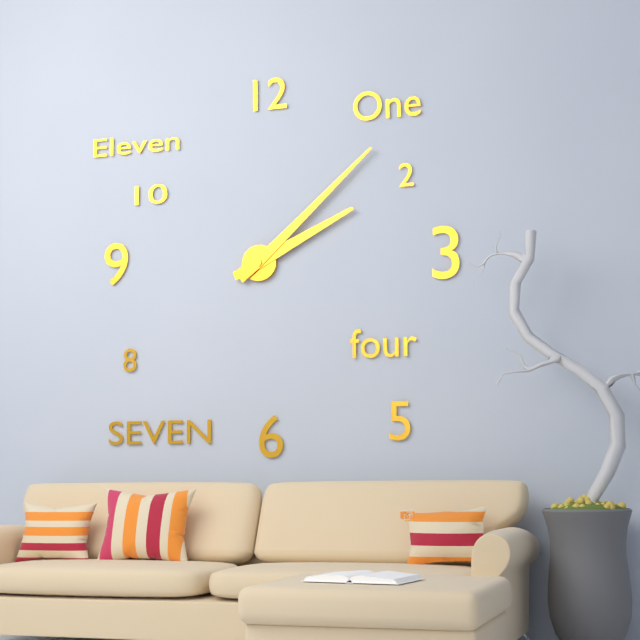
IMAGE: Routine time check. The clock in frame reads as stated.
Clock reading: 2:08
